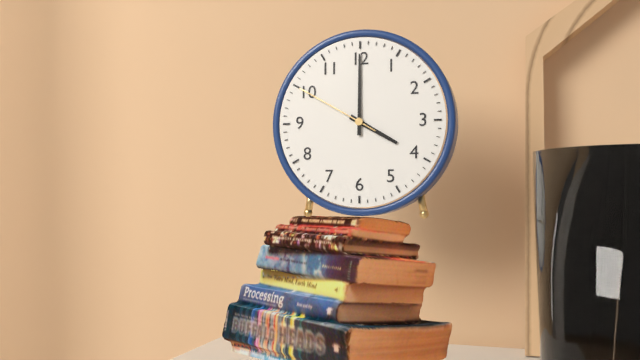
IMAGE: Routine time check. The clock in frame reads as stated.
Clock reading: 4:00:50
